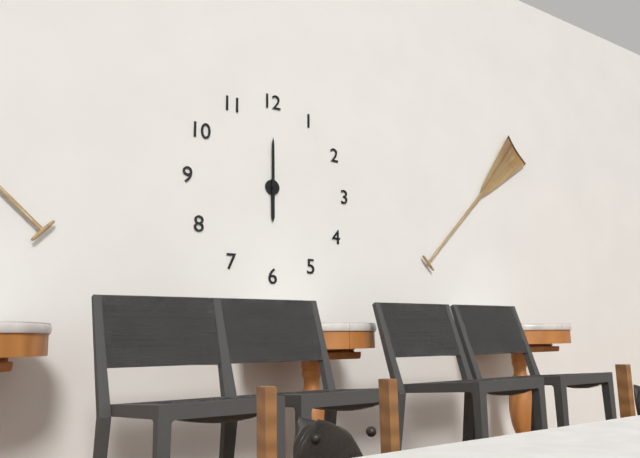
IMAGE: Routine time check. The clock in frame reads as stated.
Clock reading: 6:00
